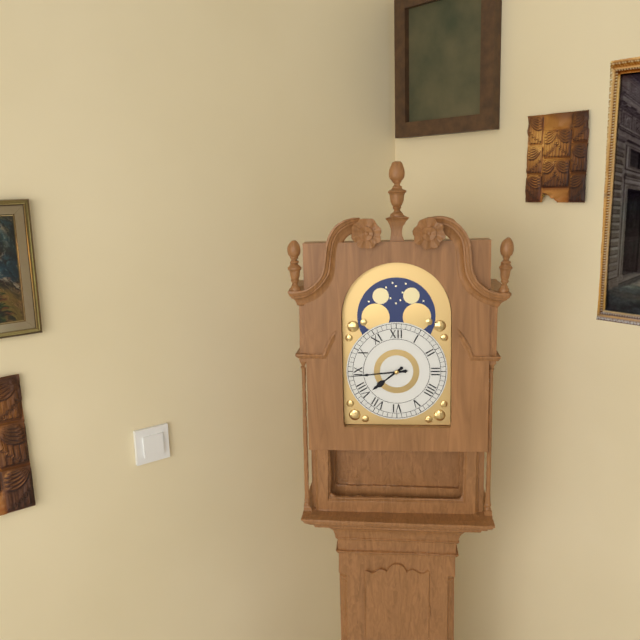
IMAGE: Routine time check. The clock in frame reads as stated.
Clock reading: 7:44
